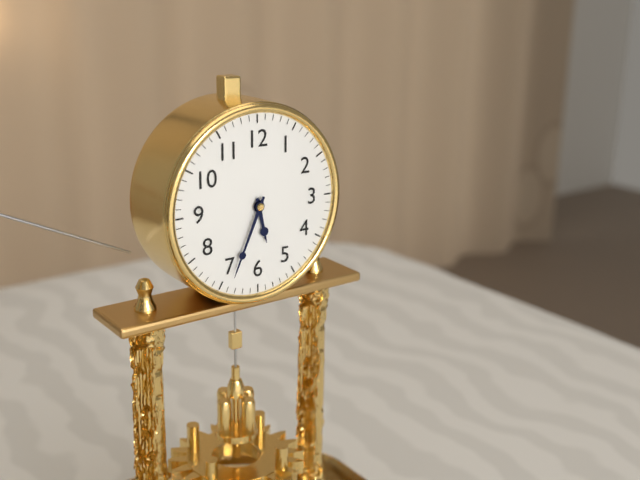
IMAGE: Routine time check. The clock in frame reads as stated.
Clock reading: 5:34
